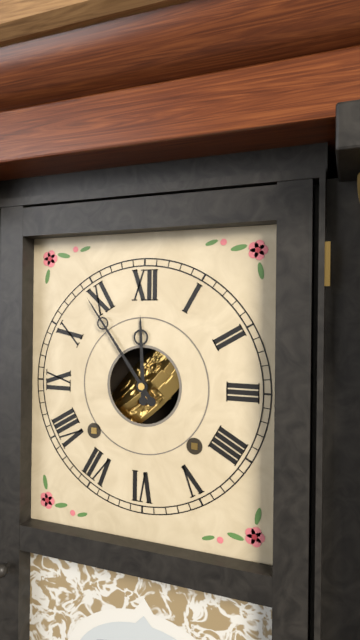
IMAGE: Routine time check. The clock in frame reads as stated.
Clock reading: 11:54
